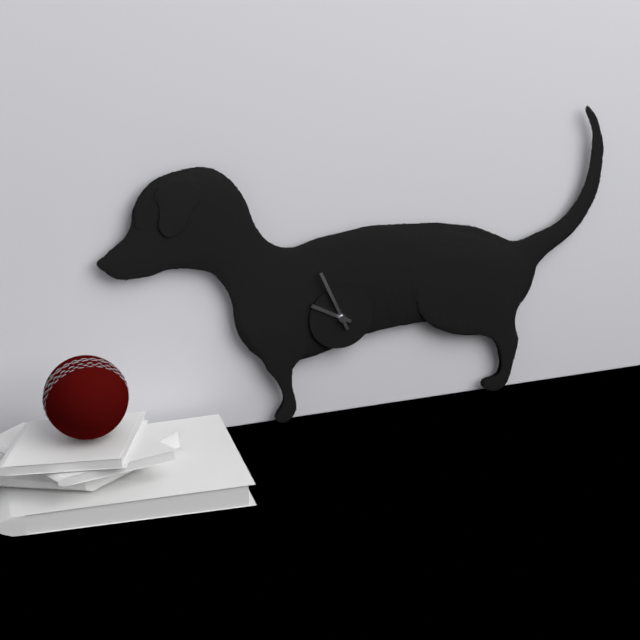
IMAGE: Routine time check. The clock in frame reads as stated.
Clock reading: 9:56
